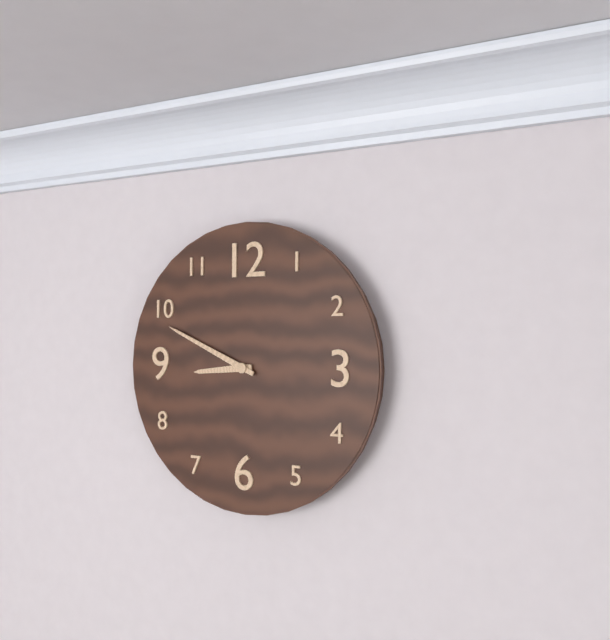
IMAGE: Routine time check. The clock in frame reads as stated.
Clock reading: 8:49
